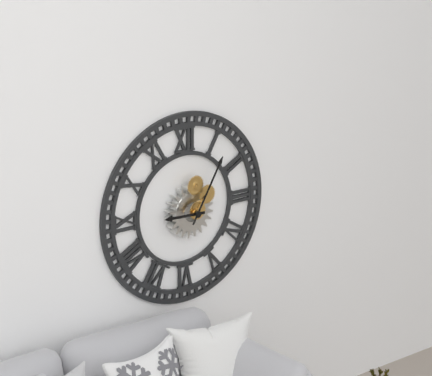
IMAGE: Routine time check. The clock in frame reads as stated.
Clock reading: 9:05
